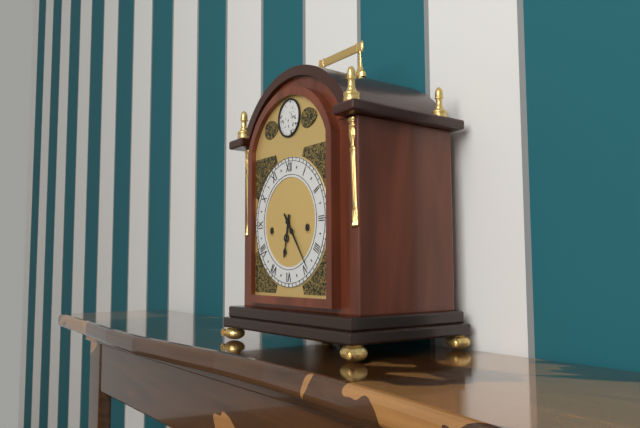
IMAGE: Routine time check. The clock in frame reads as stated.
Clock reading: 6:24
